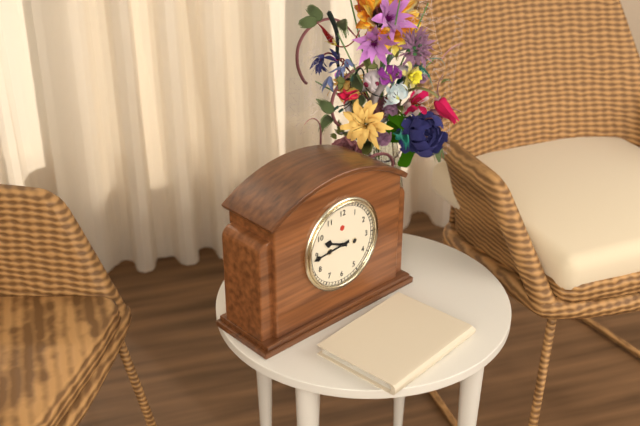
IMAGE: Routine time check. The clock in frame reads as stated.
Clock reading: 9:44
